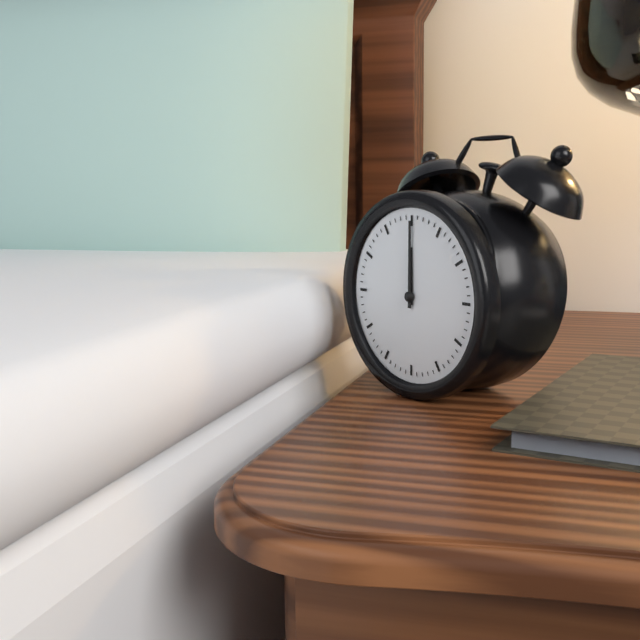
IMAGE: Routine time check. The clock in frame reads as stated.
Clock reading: 12:00
